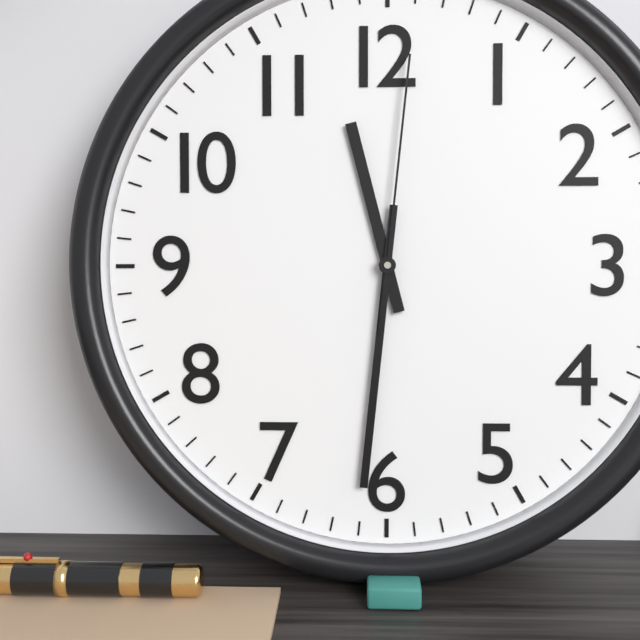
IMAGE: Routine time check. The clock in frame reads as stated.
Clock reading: 11:31:01
